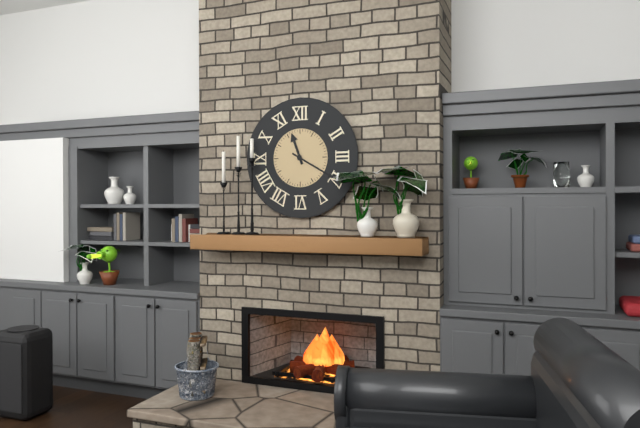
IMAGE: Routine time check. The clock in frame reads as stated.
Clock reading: 11:20
